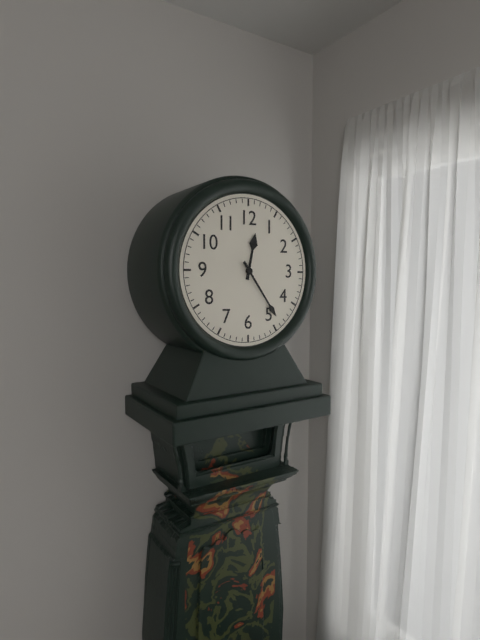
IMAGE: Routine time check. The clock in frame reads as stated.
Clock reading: 12:24
